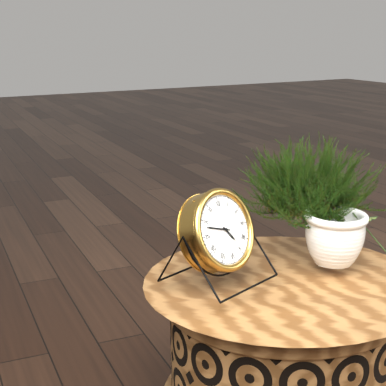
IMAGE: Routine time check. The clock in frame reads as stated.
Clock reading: 4:48
